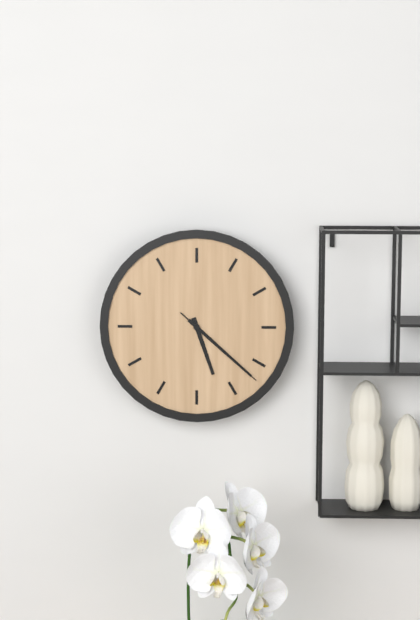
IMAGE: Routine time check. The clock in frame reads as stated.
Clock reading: 5:22:22
